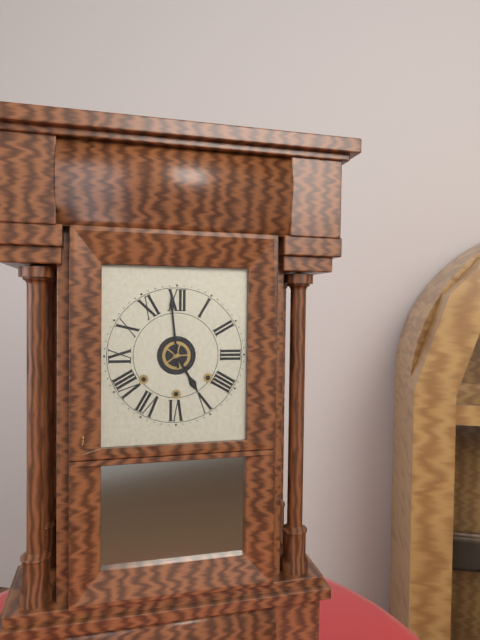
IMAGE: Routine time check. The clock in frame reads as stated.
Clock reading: 4:59
